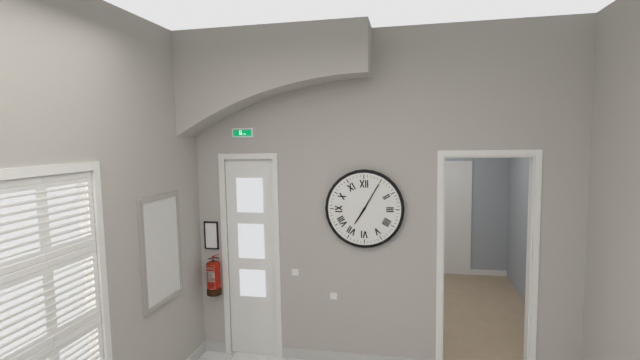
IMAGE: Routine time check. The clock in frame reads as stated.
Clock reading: 7:05
